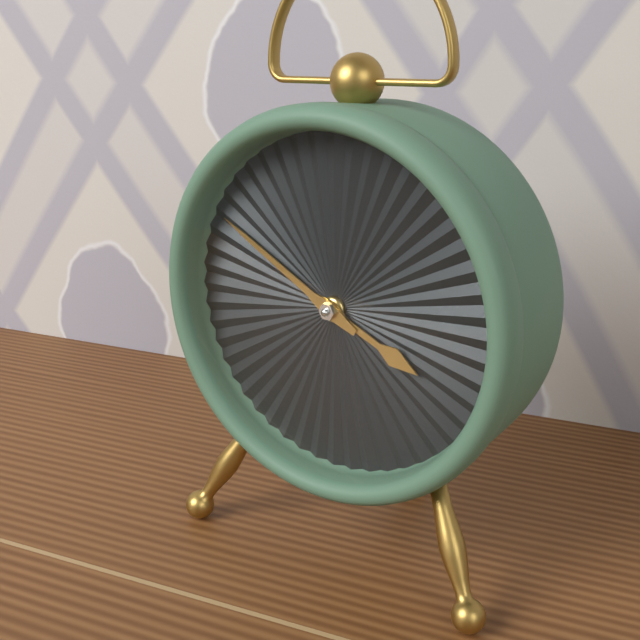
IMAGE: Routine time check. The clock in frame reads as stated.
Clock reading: 3:50
